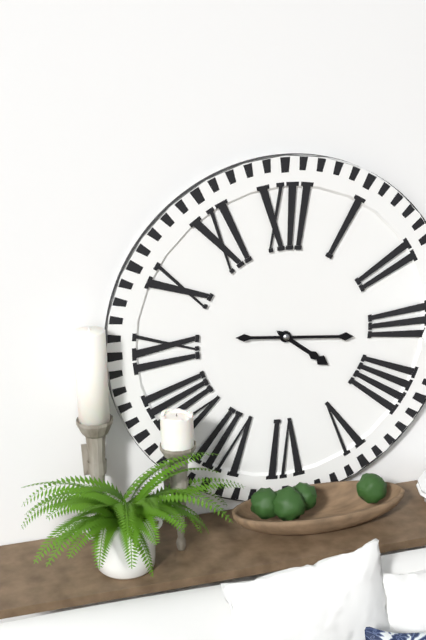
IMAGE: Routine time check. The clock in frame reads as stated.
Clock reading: 4:16
